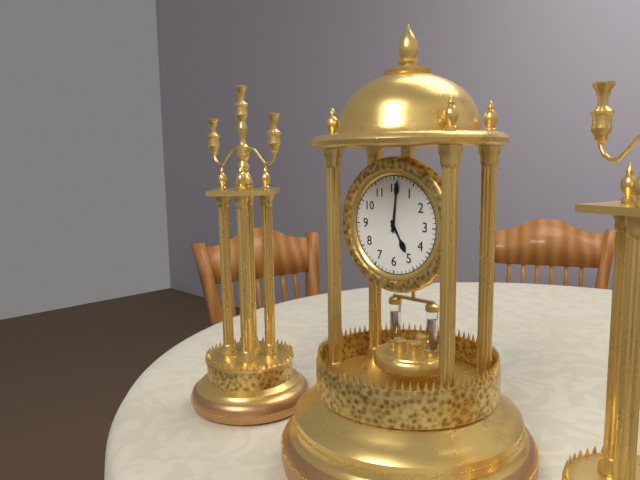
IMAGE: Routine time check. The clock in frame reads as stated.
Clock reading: 5:01
